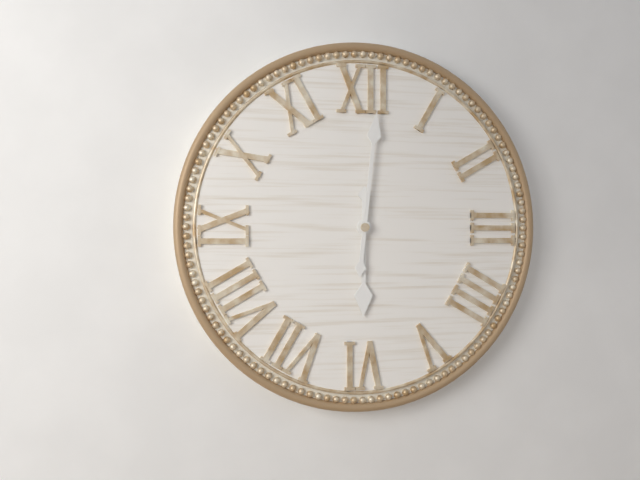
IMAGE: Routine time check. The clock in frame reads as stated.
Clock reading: 6:01
